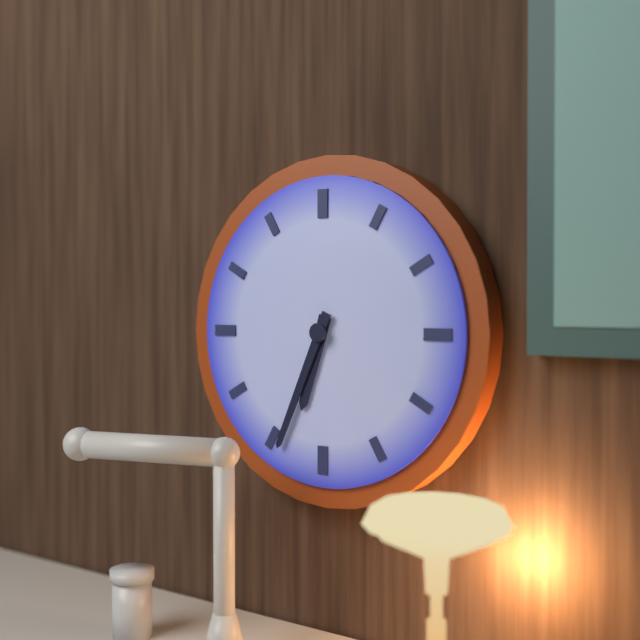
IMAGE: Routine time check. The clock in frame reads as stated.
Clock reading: 6:34
